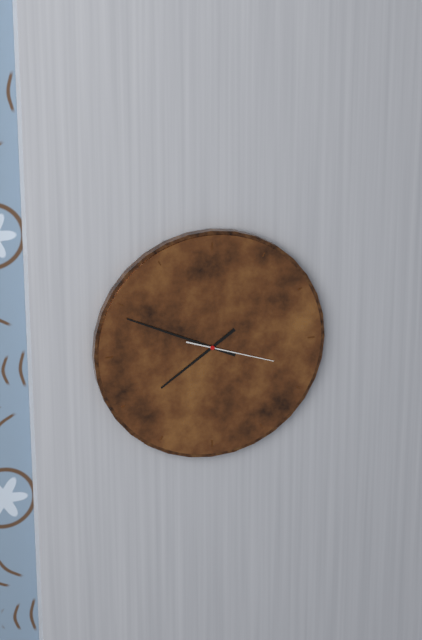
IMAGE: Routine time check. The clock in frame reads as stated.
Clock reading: 7:49:18
